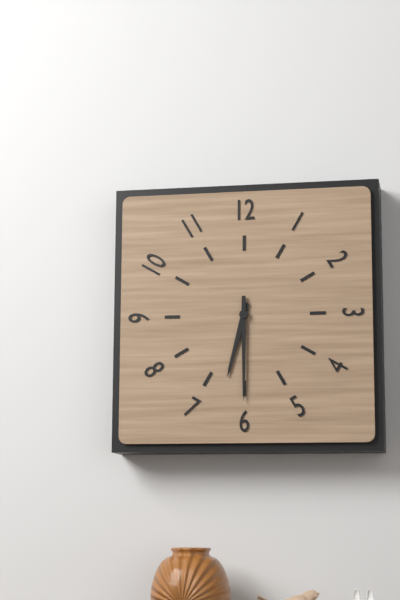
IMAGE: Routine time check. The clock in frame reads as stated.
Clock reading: 6:30
